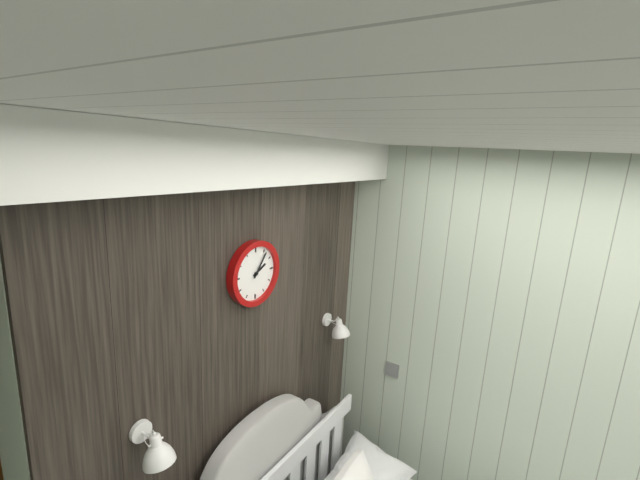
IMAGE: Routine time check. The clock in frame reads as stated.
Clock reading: 2:06
